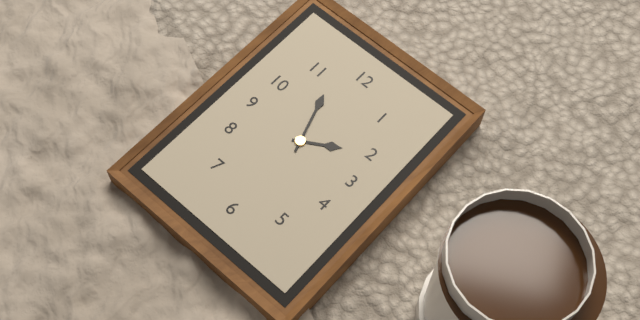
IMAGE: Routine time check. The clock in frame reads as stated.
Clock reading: 1:57
